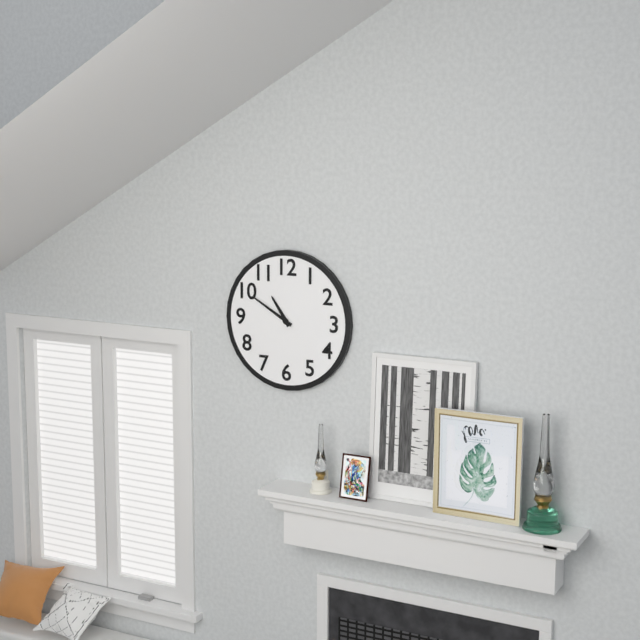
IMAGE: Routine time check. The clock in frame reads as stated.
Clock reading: 10:50
